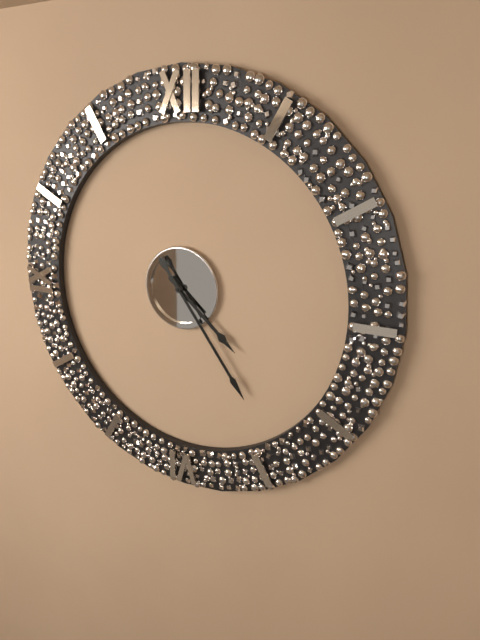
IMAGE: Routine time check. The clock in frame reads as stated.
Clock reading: 4:24
